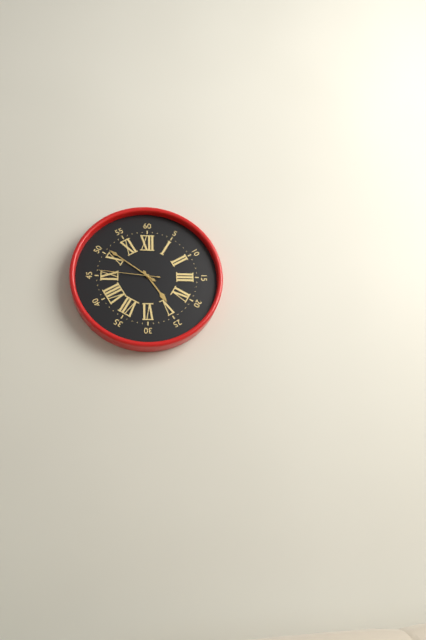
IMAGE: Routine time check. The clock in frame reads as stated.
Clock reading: 4:51:46
